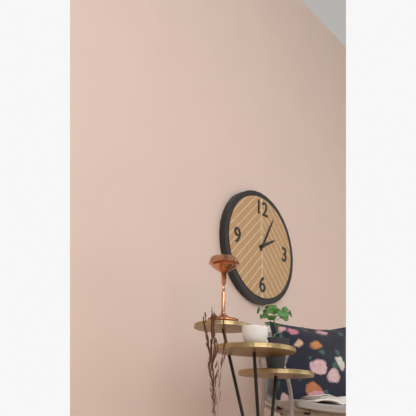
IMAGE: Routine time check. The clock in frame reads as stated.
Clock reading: 2:05
